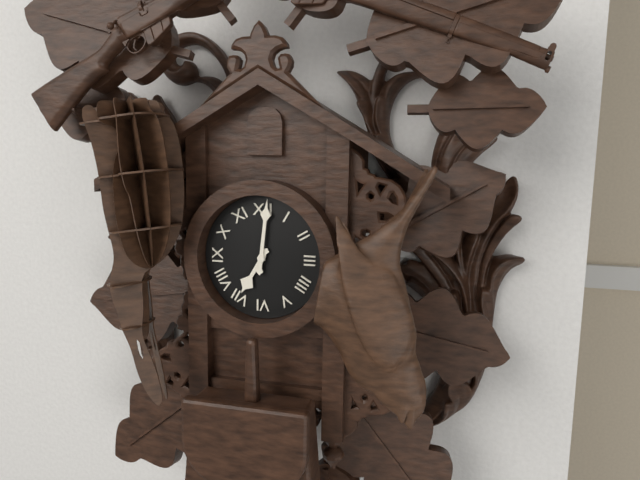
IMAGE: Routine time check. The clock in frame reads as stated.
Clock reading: 7:01
